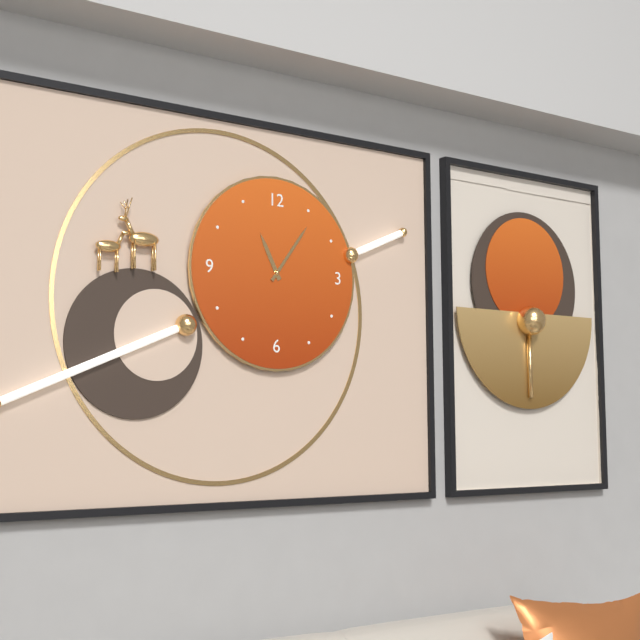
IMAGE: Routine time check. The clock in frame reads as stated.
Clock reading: 11:06
